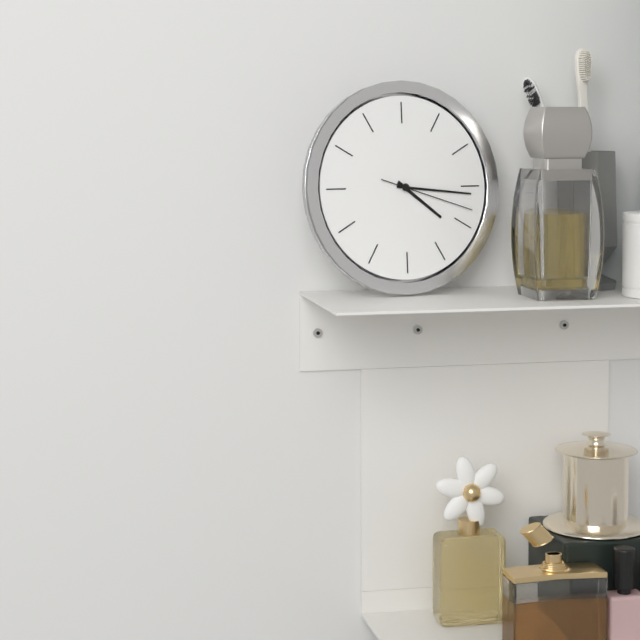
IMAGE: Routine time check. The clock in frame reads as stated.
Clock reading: 4:16:18
